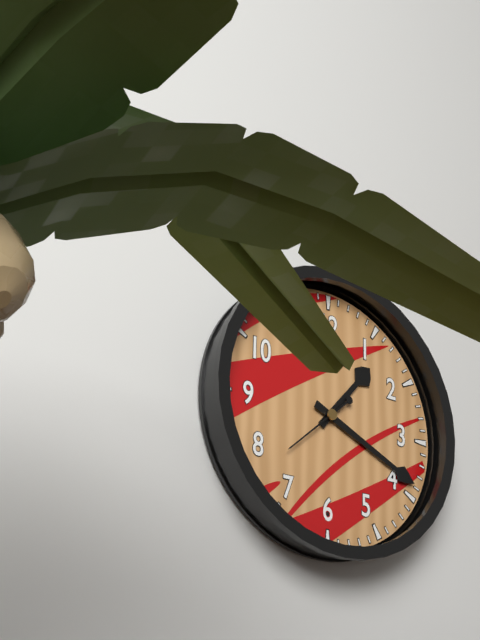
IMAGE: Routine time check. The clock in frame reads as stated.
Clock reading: 1:19:38
